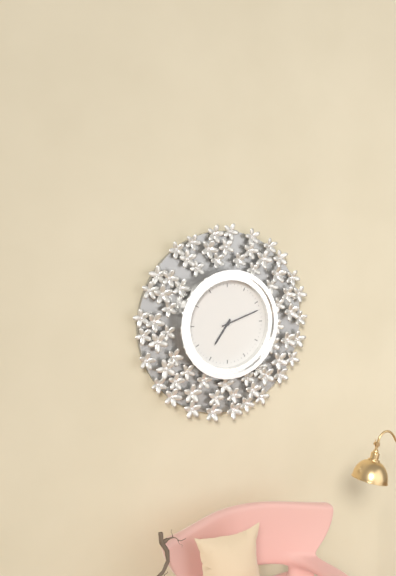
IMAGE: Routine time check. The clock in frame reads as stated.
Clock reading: 7:12
